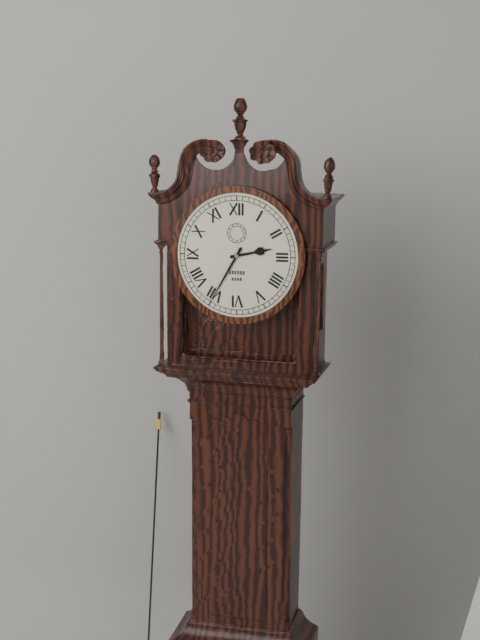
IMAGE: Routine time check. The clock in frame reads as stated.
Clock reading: 2:35
